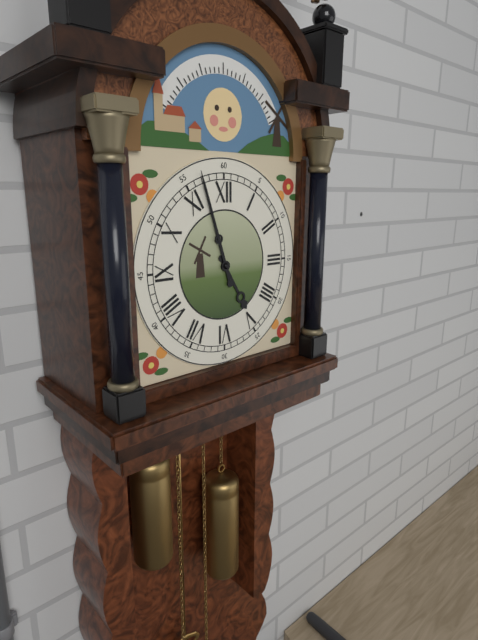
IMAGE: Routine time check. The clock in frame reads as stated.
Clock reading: 4:57
